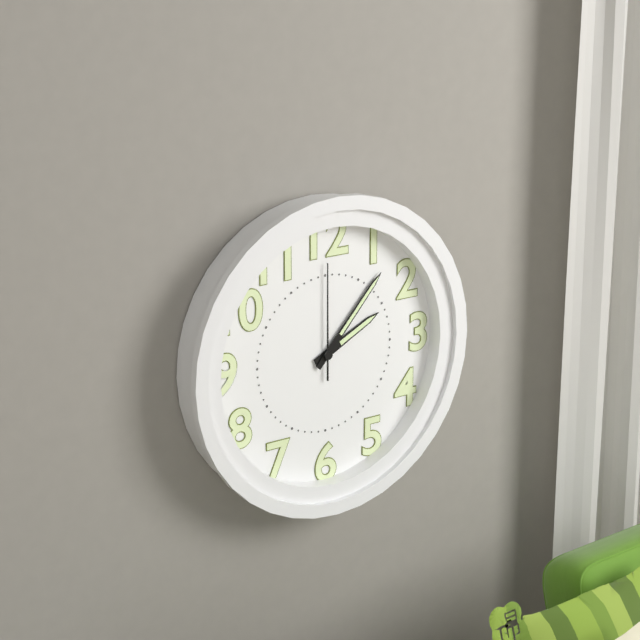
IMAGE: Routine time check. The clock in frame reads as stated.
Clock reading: 2:07:00
